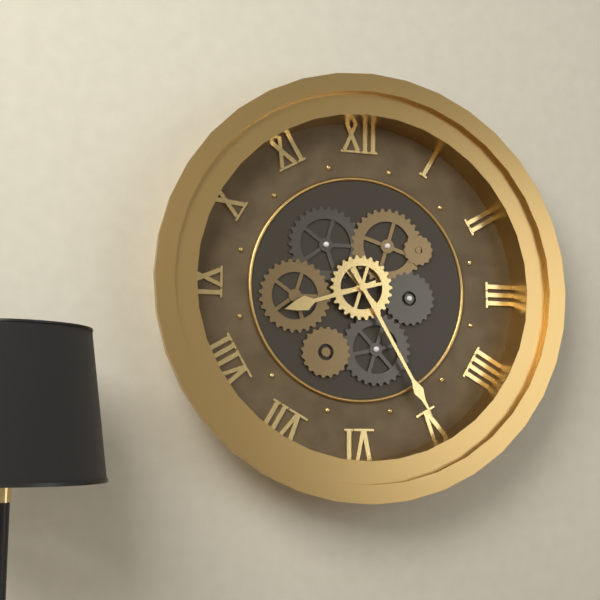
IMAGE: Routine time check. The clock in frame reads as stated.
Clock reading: 8:25
